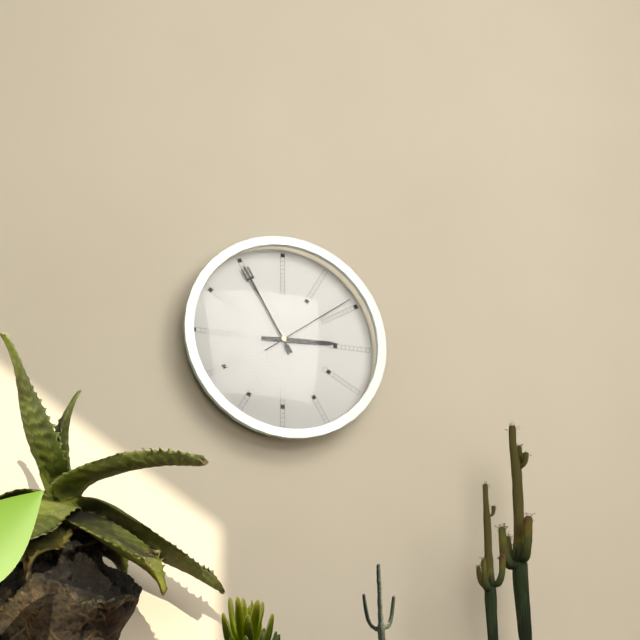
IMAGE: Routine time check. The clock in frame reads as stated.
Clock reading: 2:55:09
